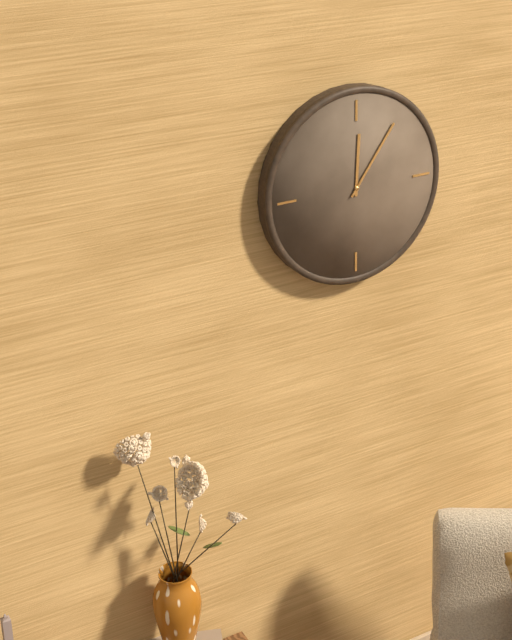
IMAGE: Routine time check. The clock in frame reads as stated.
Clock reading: 12:06
